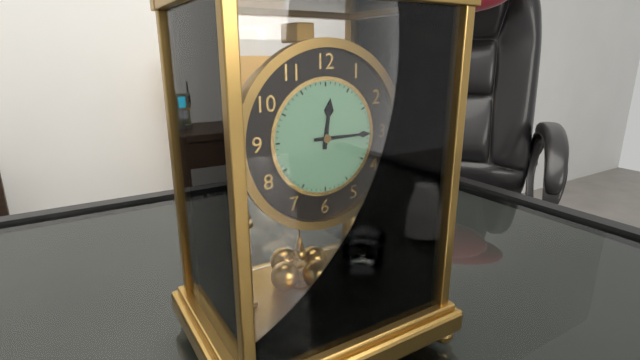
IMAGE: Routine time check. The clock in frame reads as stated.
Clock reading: 12:15
